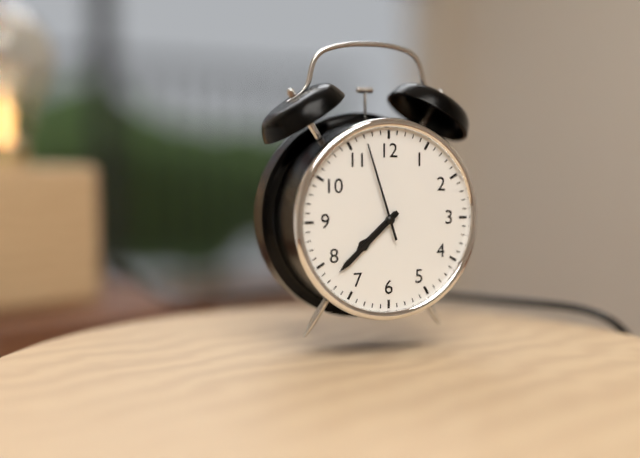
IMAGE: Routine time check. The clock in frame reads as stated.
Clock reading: 7:38:57
